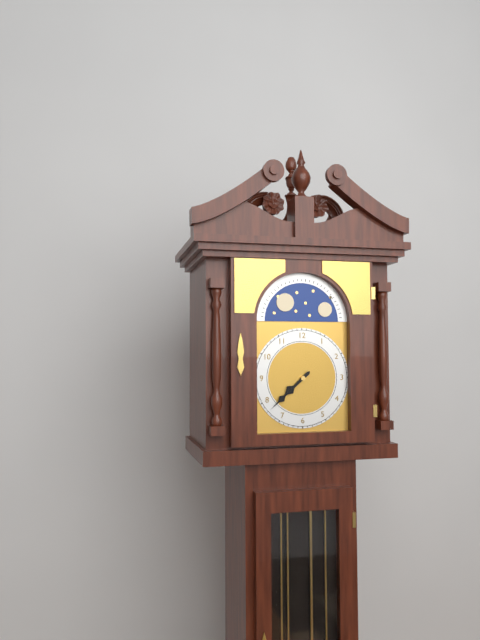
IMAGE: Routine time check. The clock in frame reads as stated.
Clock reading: 7:38
